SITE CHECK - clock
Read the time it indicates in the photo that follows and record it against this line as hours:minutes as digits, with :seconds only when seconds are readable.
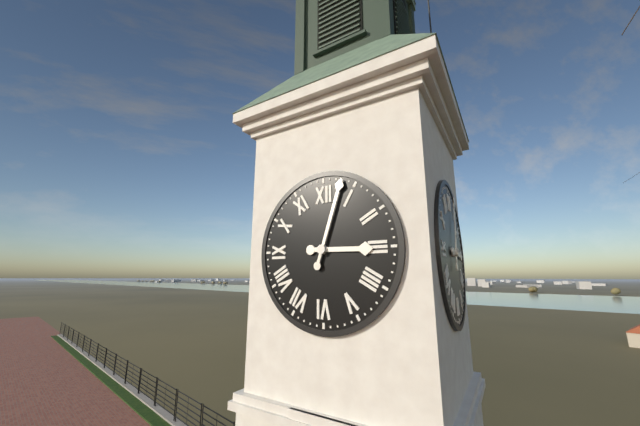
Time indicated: 3:03
